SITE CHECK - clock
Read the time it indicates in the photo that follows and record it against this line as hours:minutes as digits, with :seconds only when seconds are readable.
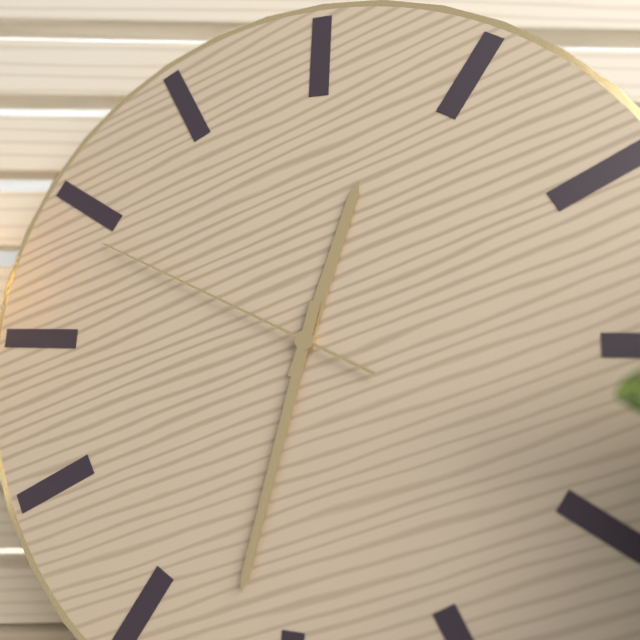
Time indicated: 12:32:49
